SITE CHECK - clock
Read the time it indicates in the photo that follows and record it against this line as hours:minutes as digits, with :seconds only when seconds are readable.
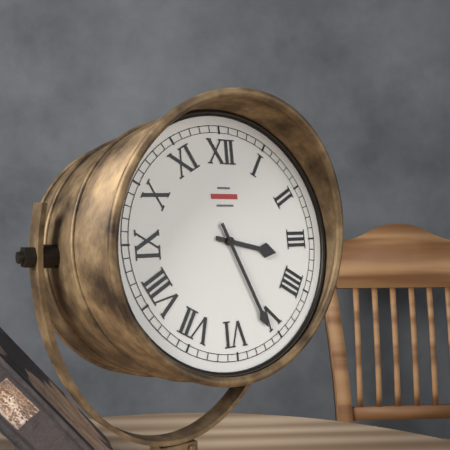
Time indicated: 3:26
